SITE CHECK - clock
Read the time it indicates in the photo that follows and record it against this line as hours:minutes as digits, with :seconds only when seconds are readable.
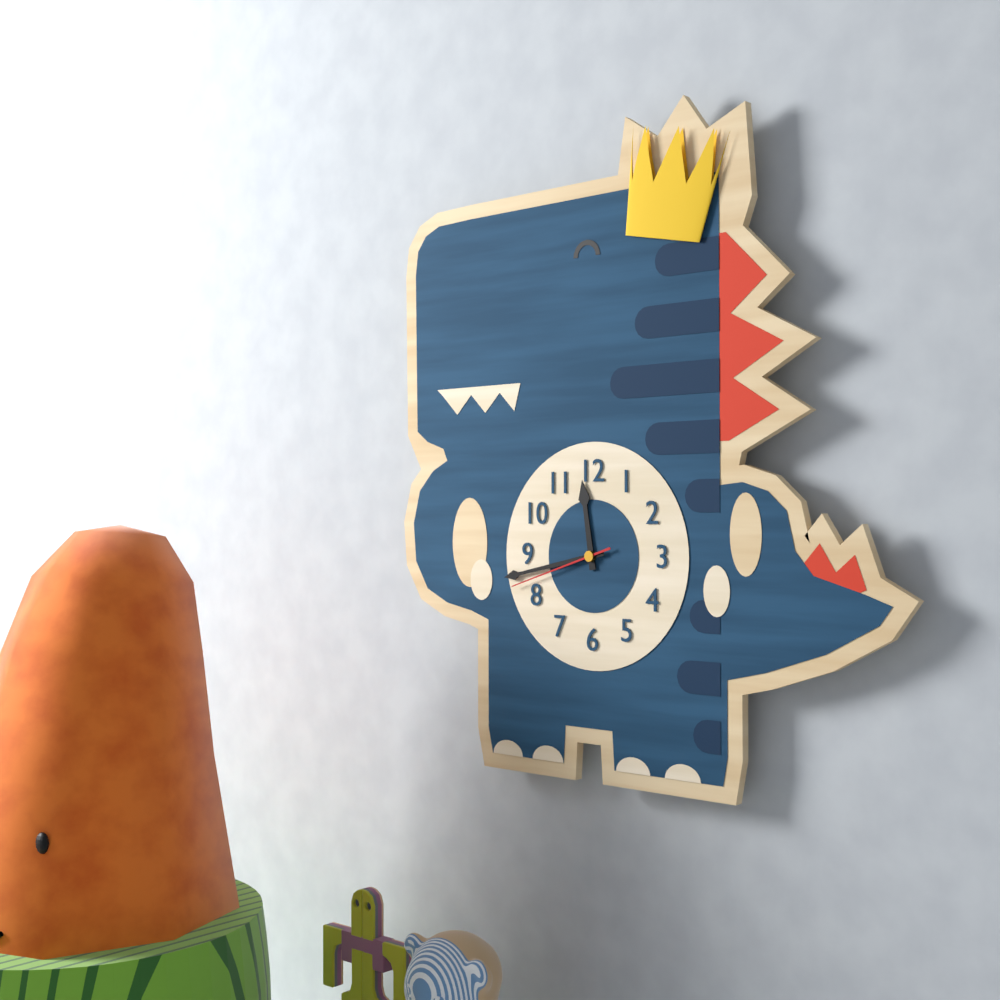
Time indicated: 11:43:42
